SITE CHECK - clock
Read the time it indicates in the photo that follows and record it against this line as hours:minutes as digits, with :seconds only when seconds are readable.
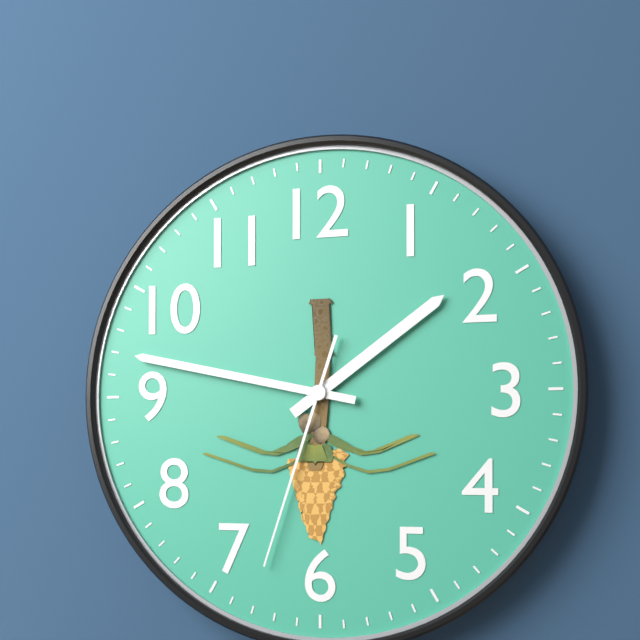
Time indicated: 1:47:33
